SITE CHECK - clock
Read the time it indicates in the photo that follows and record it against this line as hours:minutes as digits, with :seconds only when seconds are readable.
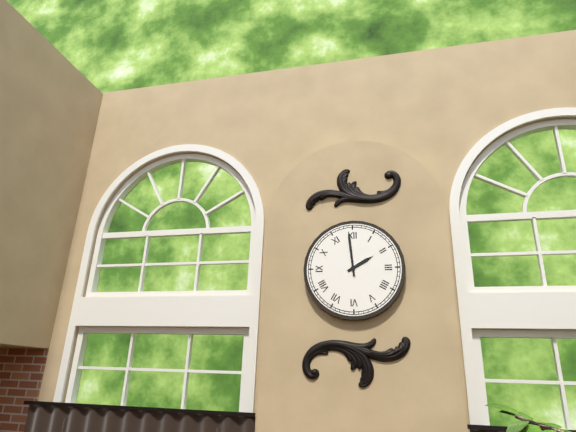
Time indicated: 1:59
